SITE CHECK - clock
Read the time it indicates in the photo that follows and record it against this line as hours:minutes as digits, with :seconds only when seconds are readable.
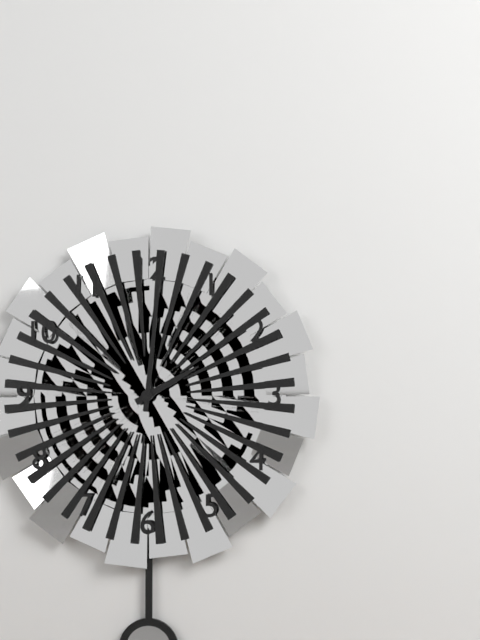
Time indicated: 2:01
